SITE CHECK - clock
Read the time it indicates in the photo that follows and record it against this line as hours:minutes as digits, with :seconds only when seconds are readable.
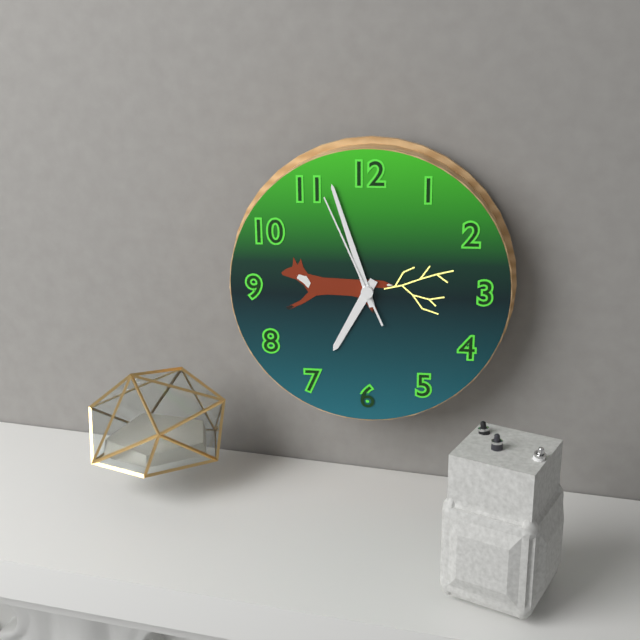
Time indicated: 6:57:56
